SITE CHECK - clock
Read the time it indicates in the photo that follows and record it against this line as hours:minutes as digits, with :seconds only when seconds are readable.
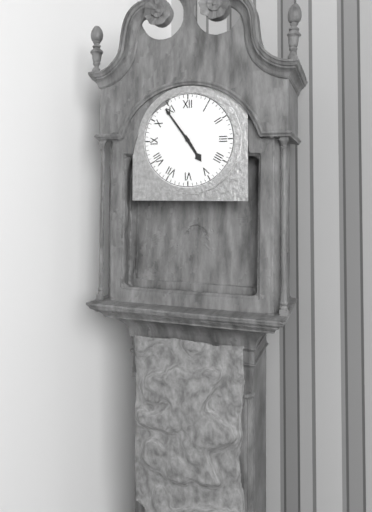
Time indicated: 4:54
